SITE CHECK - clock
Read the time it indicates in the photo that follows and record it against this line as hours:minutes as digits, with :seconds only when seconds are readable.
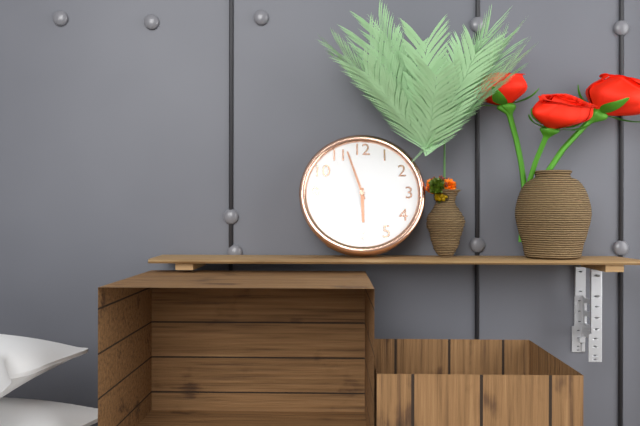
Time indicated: 5:57
